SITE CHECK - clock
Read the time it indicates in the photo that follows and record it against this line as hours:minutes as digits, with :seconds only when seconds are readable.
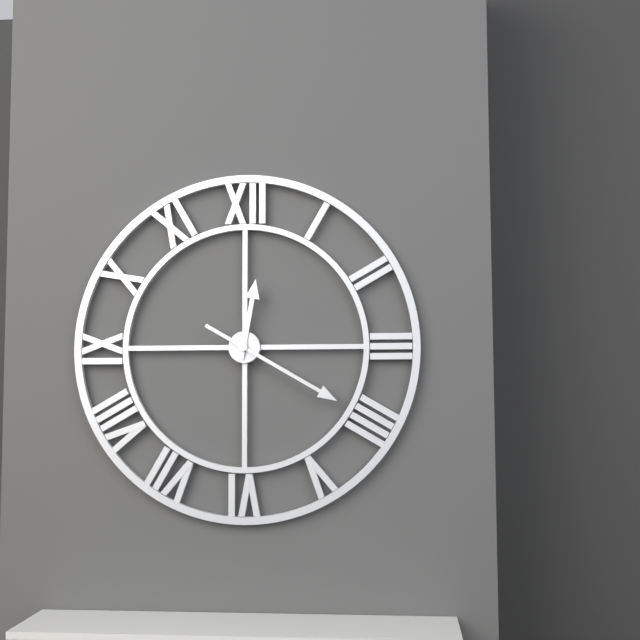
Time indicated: 12:20
